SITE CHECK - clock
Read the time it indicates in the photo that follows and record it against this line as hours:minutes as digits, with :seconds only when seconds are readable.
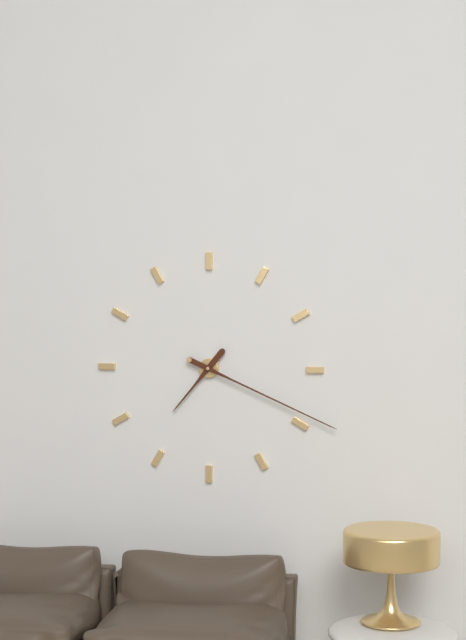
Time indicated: 7:19
